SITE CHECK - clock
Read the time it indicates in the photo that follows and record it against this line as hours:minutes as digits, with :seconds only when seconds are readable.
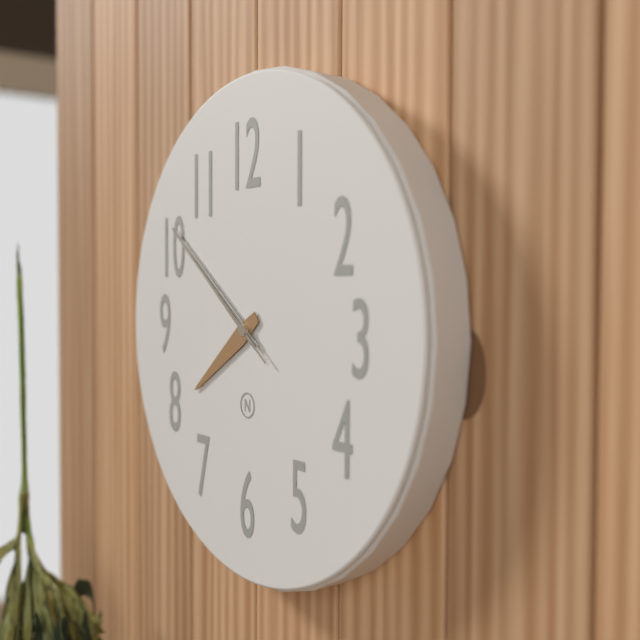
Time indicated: 7:51:51
